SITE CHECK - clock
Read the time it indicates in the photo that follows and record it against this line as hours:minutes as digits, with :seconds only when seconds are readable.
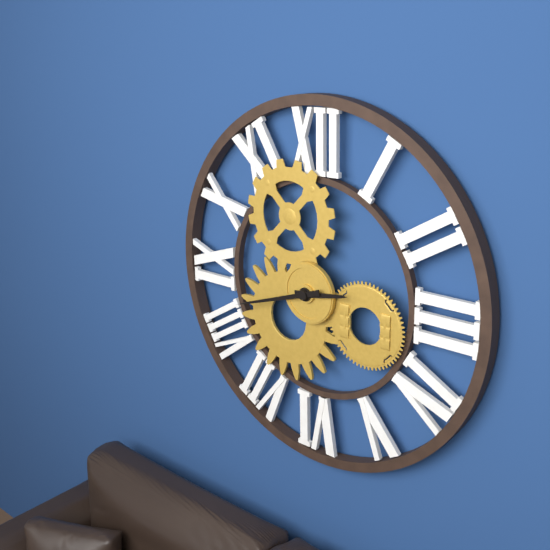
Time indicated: 2:42
